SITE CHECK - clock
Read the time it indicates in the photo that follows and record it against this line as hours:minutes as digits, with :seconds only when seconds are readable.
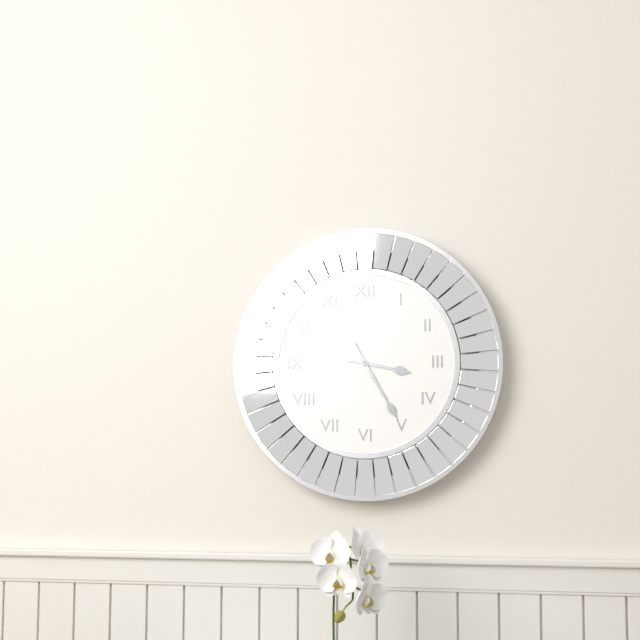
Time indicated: 3:25
